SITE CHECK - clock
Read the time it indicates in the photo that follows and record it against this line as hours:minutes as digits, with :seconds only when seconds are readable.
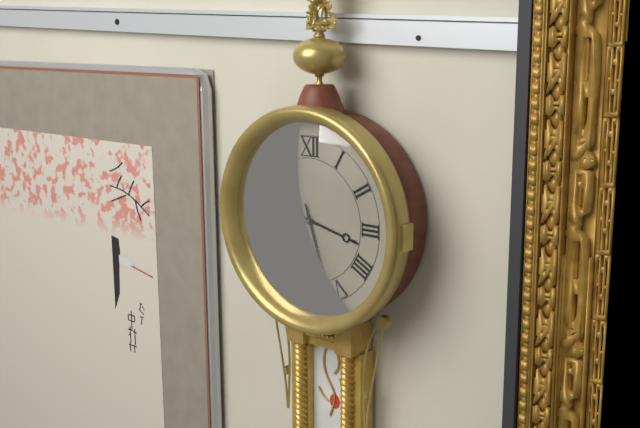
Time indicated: 3:27
